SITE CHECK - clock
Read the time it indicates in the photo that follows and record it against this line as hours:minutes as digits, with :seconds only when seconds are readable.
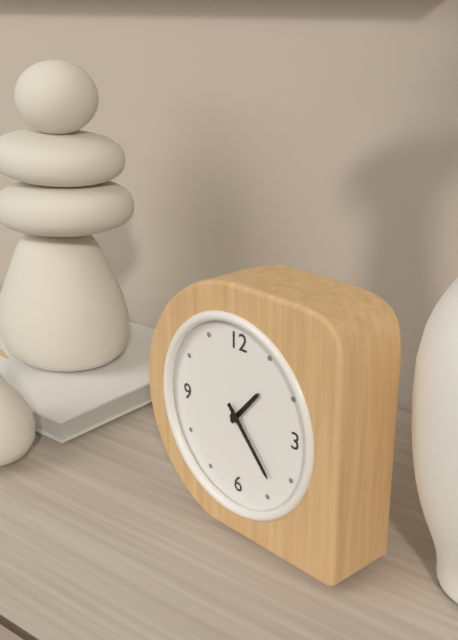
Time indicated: 1:23
